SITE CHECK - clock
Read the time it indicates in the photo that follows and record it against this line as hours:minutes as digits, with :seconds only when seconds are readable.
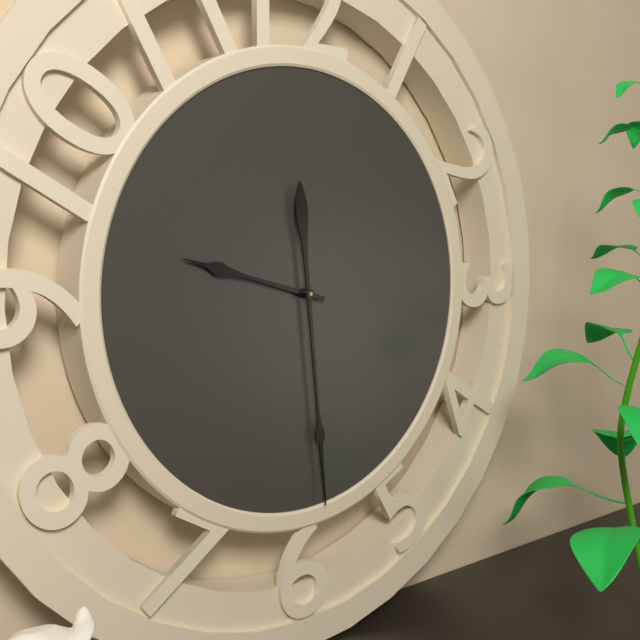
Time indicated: 9:29
